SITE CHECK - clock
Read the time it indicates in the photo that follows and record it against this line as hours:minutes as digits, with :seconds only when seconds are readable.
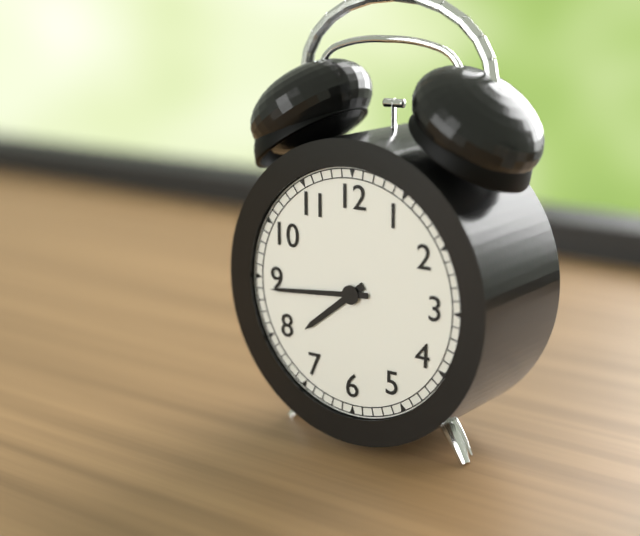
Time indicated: 7:44
